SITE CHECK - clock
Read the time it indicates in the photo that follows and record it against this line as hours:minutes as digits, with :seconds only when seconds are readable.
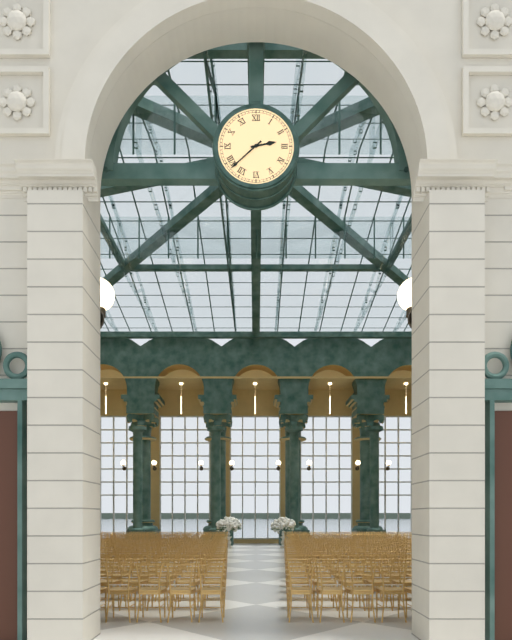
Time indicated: 2:38
